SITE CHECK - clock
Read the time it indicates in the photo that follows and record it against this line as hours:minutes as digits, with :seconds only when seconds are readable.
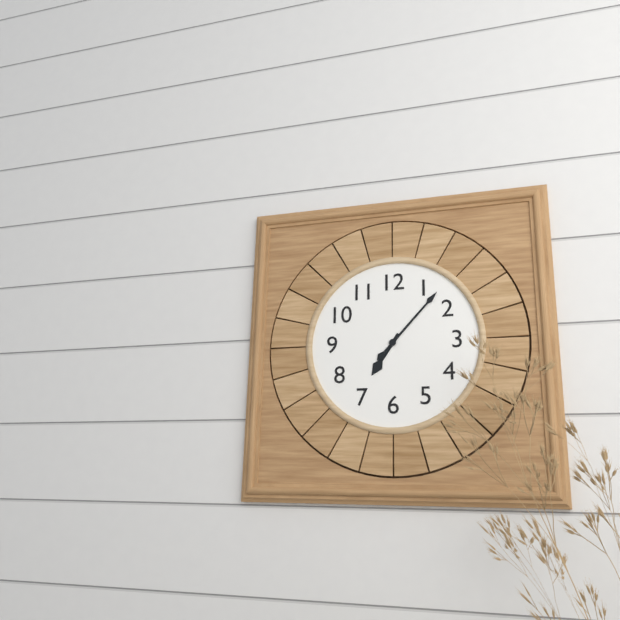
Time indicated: 7:07
